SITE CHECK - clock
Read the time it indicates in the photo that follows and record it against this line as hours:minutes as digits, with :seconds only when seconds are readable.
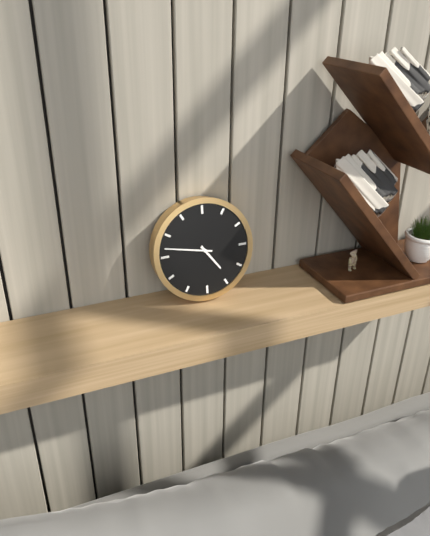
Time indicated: 4:47
